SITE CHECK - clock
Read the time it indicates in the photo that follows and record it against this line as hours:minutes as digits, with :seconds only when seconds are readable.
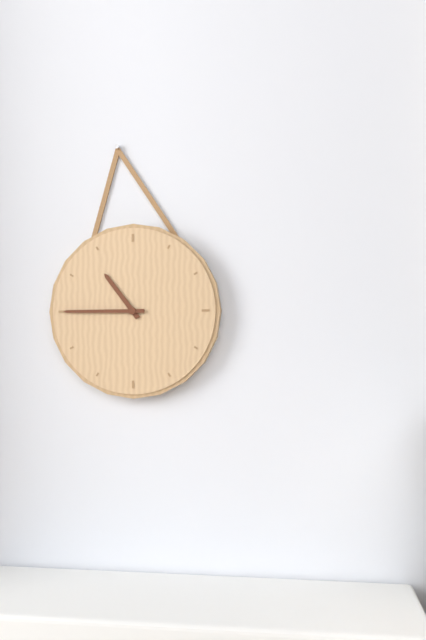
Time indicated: 10:45
